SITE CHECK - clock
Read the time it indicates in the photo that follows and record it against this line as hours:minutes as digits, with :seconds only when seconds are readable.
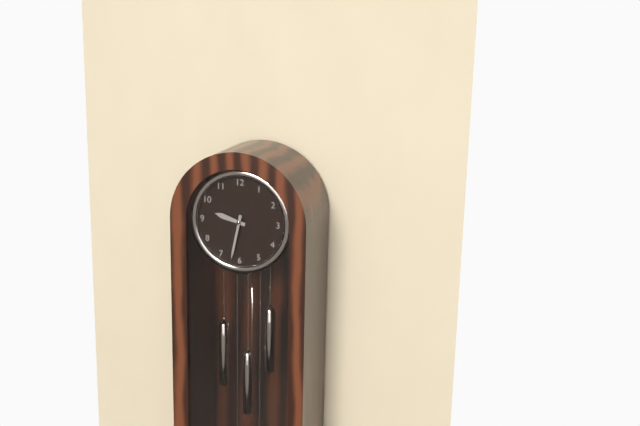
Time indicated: 9:32
